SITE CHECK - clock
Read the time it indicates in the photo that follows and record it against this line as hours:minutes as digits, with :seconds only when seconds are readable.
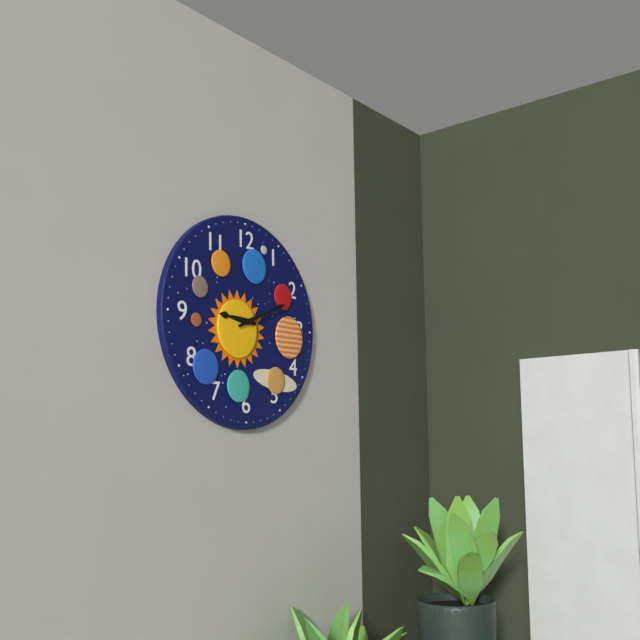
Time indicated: 9:11
